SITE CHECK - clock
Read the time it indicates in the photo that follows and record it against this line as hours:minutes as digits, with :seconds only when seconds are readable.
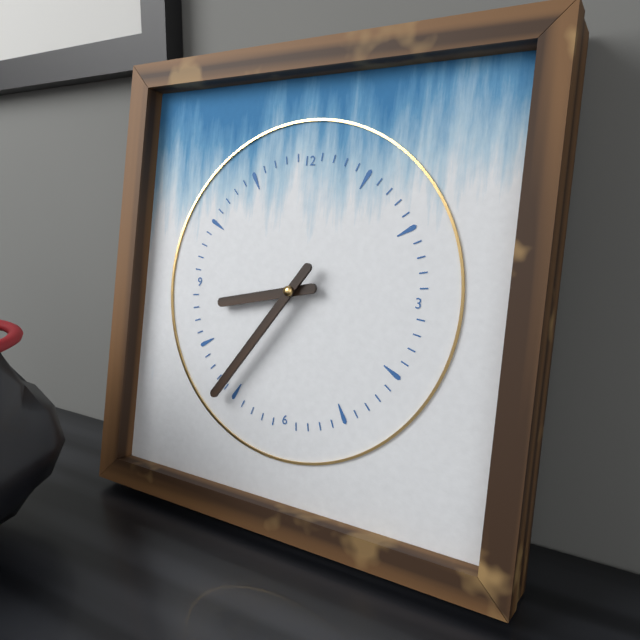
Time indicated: 8:36
